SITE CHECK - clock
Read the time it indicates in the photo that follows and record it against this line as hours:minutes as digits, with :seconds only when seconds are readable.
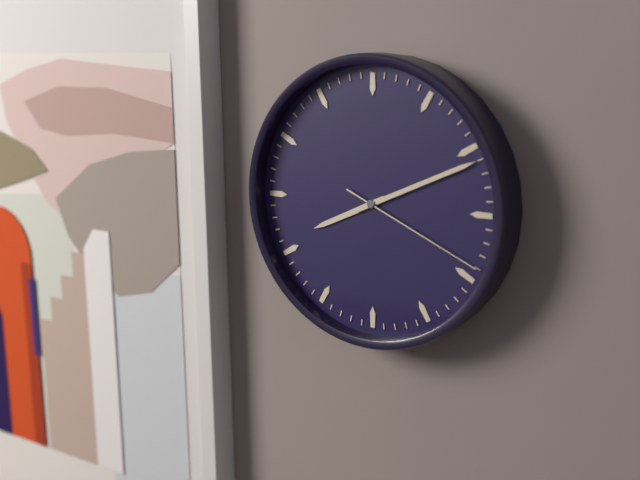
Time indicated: 8:11:19
